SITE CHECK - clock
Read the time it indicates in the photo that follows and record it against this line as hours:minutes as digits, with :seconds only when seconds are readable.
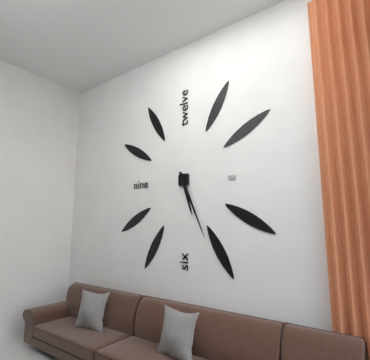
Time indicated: 5:26
